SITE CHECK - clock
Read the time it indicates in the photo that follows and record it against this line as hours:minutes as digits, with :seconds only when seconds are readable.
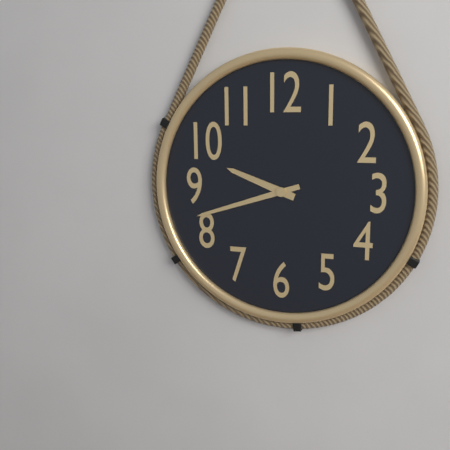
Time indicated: 9:42
